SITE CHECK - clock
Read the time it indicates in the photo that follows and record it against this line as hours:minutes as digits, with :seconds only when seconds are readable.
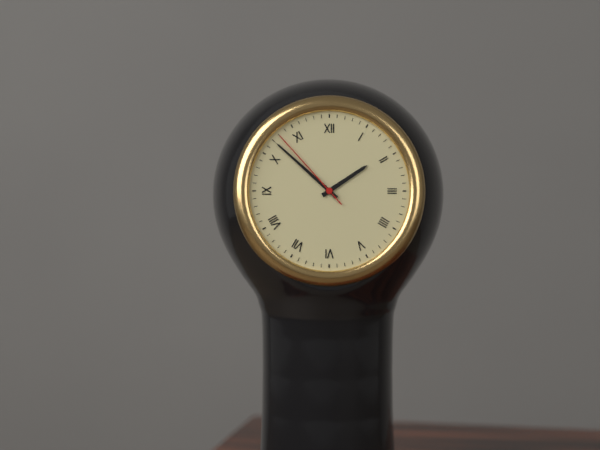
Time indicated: 1:52:53
